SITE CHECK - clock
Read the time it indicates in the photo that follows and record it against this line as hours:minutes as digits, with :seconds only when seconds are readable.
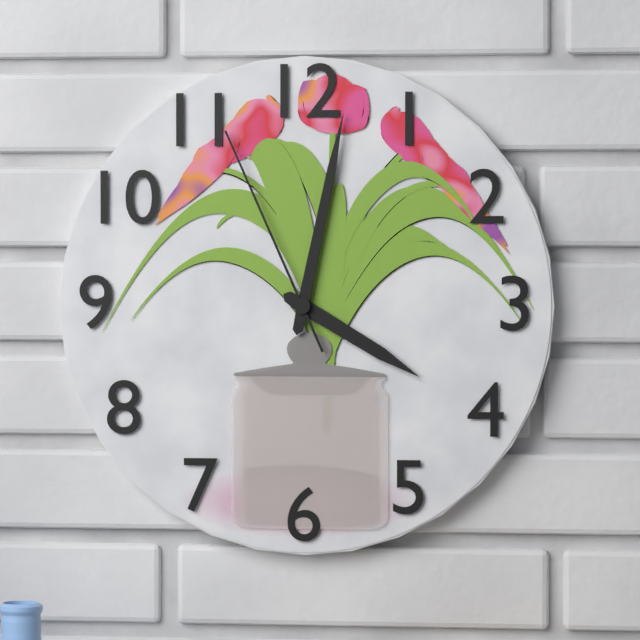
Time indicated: 4:02:56
